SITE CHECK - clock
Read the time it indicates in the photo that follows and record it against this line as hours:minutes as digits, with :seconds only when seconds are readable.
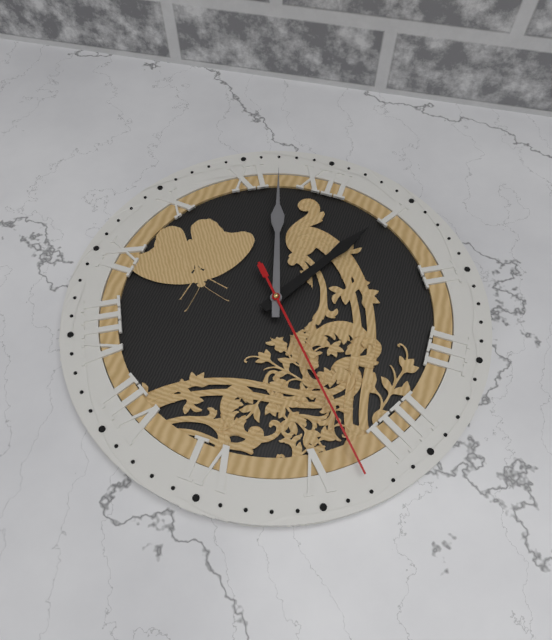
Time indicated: 12:57:23
